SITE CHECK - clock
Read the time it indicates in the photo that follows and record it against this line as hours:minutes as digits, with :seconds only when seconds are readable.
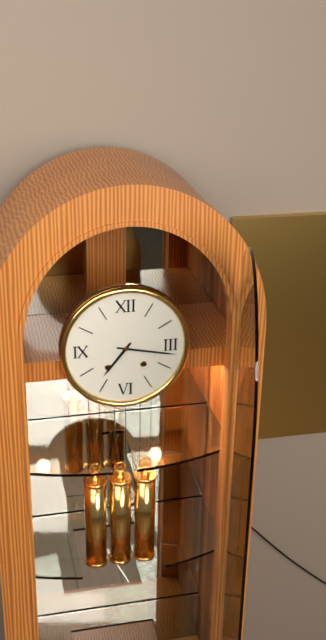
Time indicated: 7:17
